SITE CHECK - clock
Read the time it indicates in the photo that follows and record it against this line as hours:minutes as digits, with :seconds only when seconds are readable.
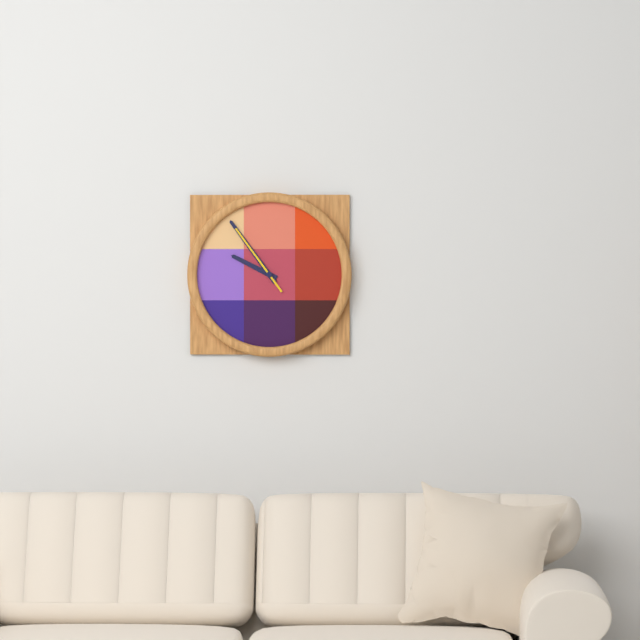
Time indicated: 9:54:54
